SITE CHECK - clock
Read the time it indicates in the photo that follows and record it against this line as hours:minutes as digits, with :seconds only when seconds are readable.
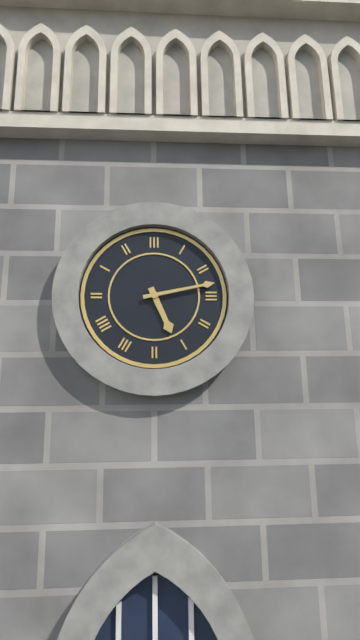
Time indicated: 5:13
